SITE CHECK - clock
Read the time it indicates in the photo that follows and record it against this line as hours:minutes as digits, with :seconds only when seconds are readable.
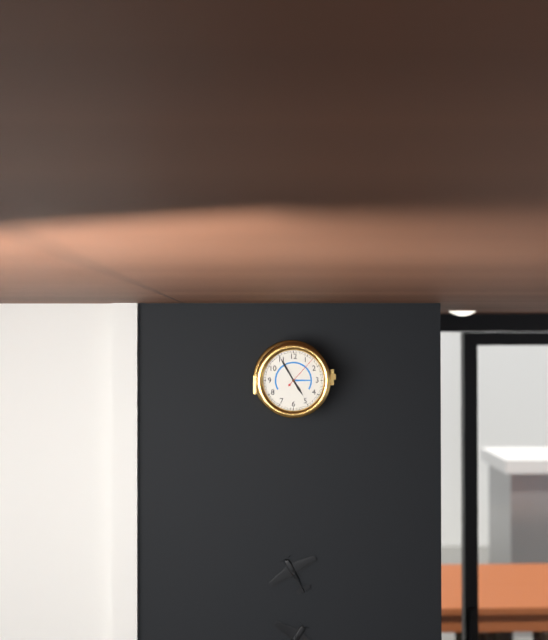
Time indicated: 4:55
